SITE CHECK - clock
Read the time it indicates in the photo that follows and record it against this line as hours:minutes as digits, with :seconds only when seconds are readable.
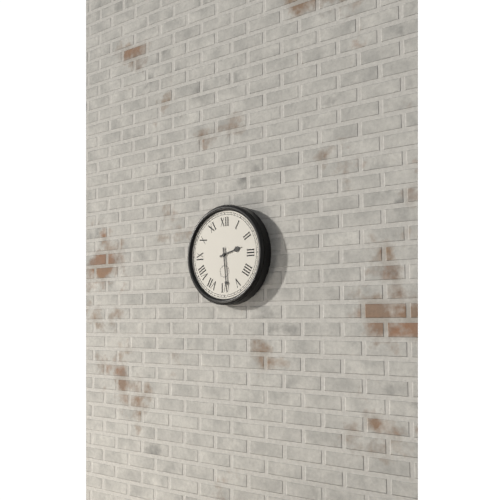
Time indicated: 2:29
